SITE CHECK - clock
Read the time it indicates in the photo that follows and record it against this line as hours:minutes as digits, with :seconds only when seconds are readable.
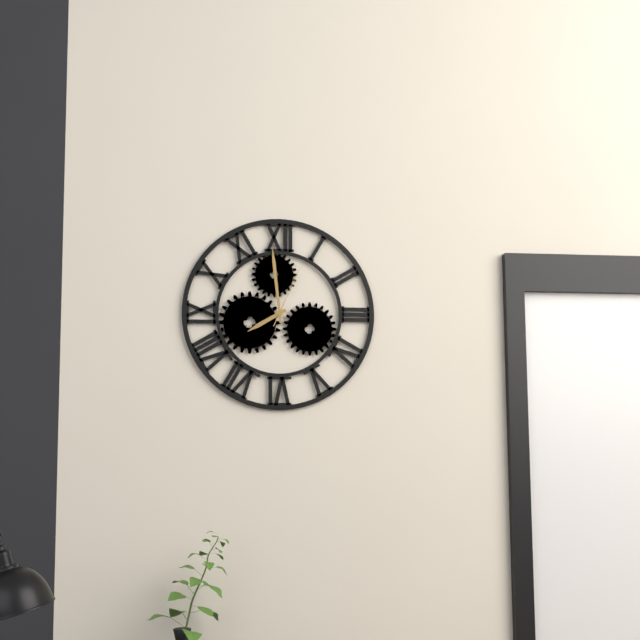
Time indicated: 7:59:04
